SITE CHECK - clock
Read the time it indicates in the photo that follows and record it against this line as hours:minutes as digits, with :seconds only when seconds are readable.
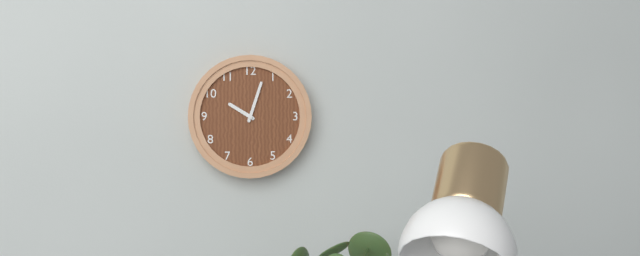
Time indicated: 10:03
